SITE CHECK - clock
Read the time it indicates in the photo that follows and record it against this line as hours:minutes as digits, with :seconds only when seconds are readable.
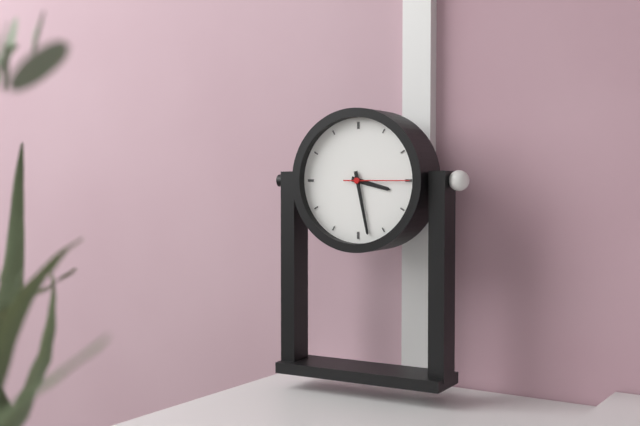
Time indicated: 3:28:15
